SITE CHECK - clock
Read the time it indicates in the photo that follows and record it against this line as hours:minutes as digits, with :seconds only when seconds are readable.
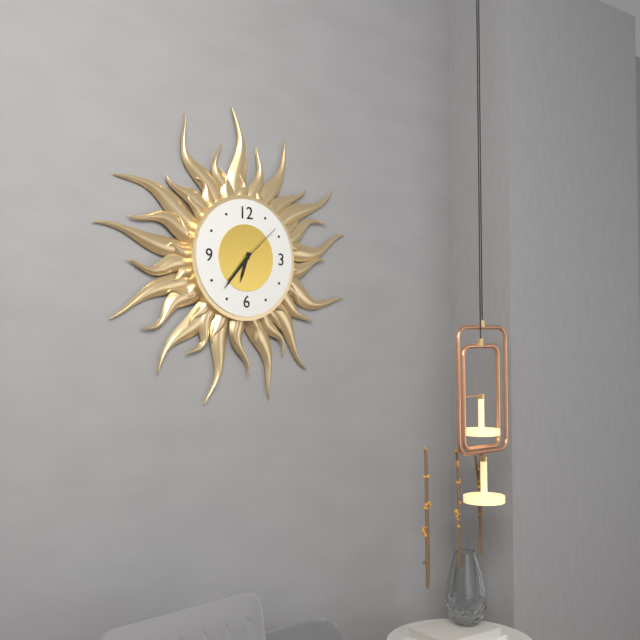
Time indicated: 6:37:08
